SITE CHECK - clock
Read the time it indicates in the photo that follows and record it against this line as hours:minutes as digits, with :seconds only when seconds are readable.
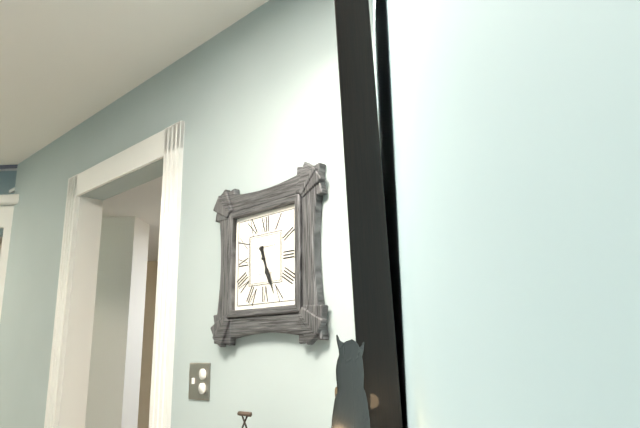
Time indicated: 5:26
